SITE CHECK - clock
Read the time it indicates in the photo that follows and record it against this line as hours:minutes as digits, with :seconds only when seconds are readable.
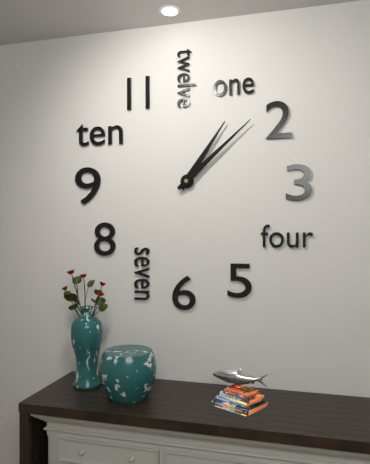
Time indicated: 1:08
